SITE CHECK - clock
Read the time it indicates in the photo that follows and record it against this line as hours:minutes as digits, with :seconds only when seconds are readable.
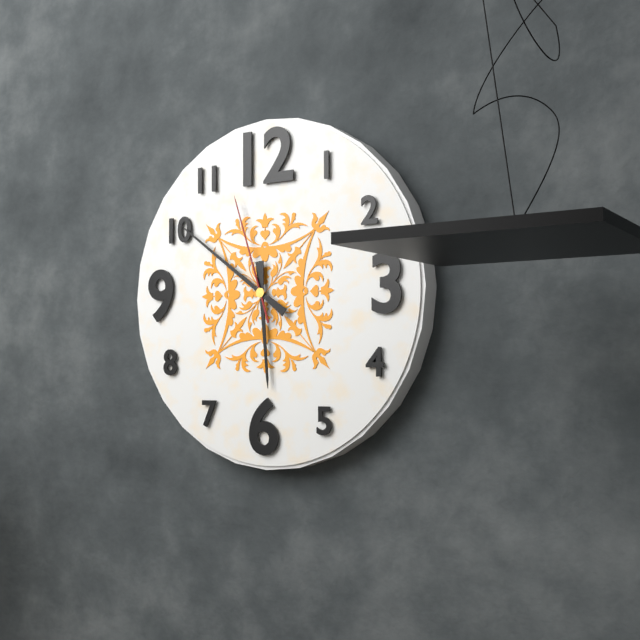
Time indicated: 5:51:57
